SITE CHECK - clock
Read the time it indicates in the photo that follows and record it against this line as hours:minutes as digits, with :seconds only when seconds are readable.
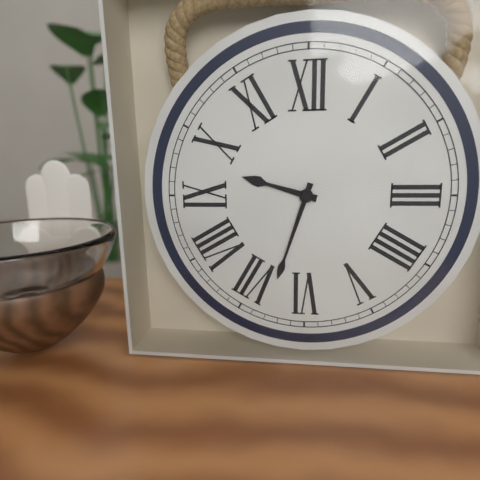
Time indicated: 9:33
